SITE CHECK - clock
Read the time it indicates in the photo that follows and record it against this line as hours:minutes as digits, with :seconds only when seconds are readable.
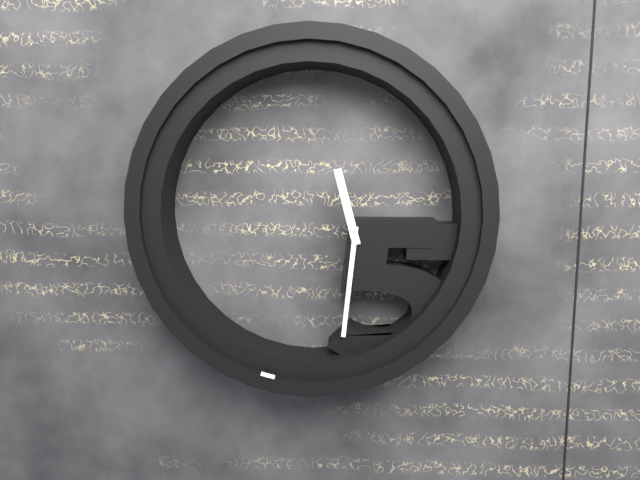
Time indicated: 11:31
